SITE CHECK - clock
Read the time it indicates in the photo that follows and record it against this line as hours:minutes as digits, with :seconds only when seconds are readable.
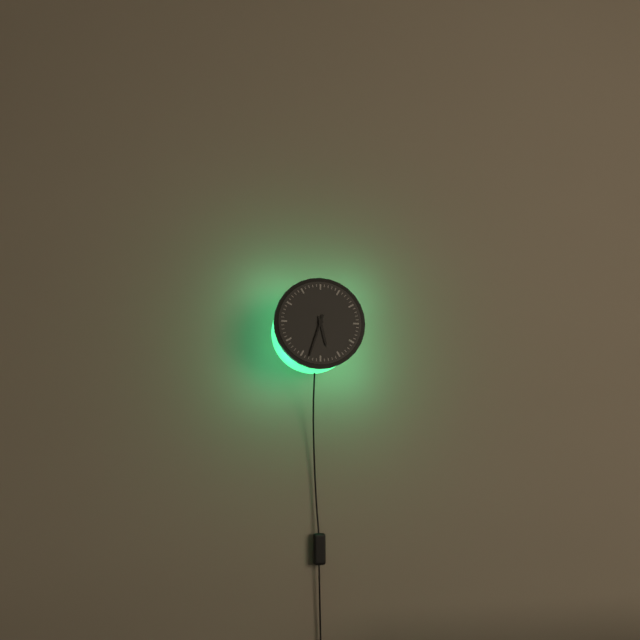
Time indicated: 5:33
